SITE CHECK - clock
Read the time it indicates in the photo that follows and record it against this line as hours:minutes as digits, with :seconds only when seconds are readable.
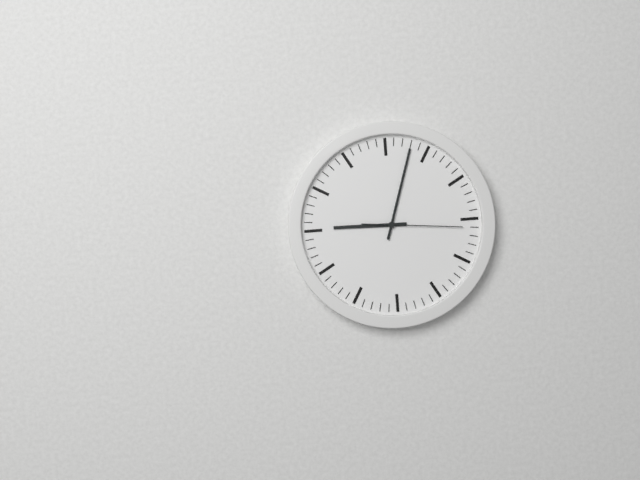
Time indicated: 9:03:16
